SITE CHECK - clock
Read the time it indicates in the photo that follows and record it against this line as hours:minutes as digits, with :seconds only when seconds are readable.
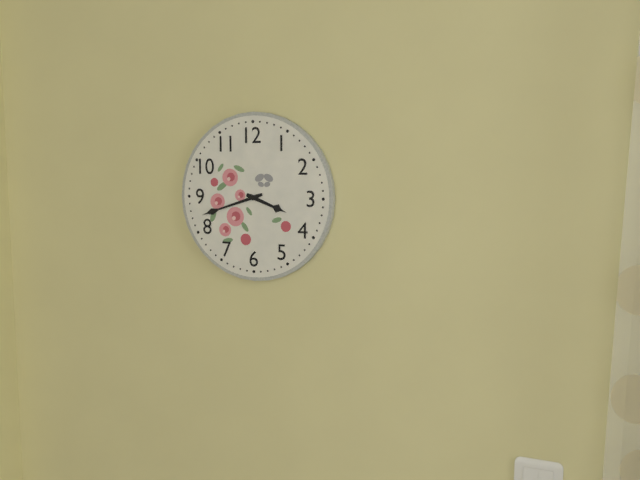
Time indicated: 3:42
